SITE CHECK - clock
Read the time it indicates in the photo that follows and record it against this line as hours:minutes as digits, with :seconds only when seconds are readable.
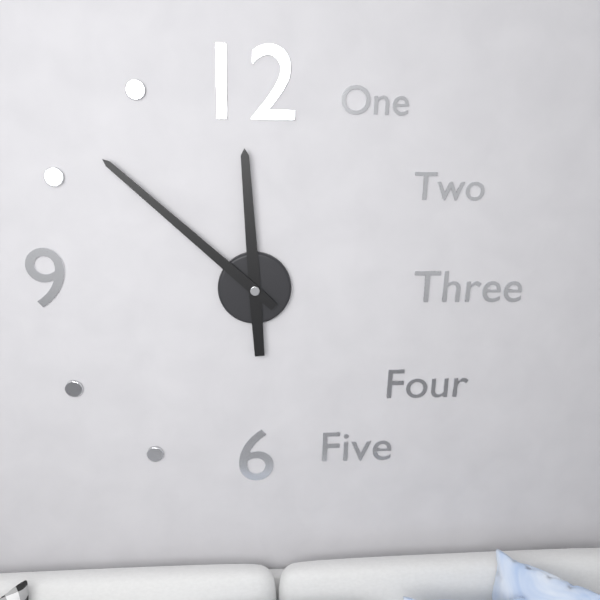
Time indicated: 11:52
